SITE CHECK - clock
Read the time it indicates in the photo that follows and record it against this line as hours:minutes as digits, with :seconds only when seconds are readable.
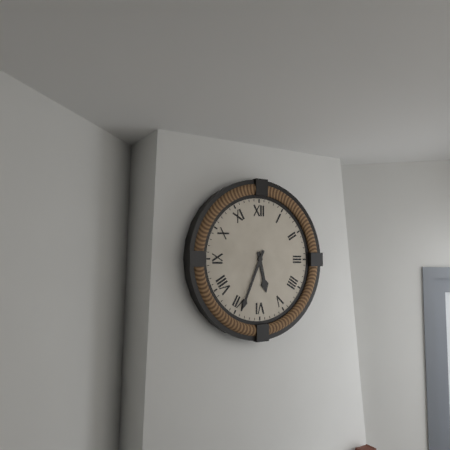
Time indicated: 5:34
